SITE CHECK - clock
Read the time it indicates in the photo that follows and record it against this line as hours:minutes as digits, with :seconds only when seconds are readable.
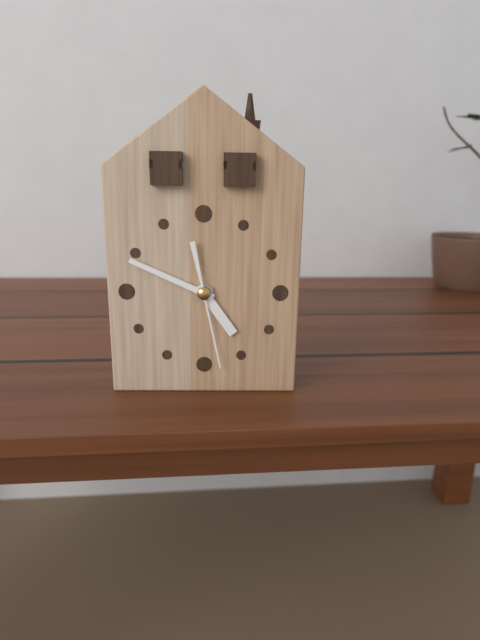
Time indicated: 4:49:28
